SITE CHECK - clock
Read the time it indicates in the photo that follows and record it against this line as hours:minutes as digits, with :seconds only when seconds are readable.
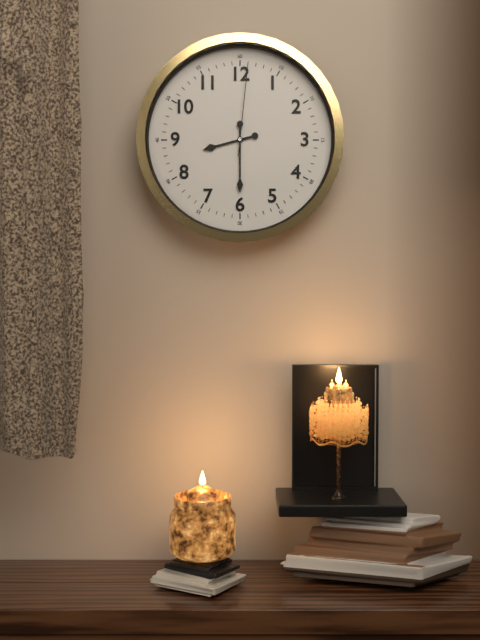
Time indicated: 8:30:01
